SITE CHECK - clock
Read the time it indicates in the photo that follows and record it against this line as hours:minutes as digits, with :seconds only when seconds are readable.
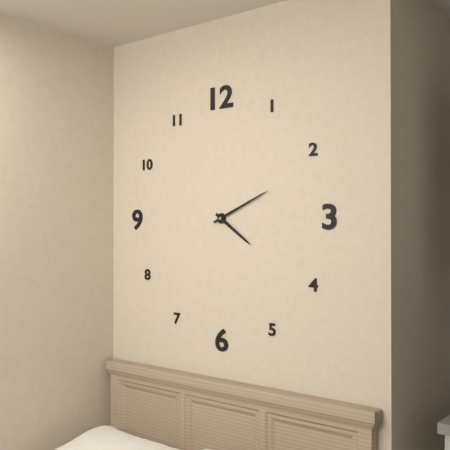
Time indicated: 4:11
